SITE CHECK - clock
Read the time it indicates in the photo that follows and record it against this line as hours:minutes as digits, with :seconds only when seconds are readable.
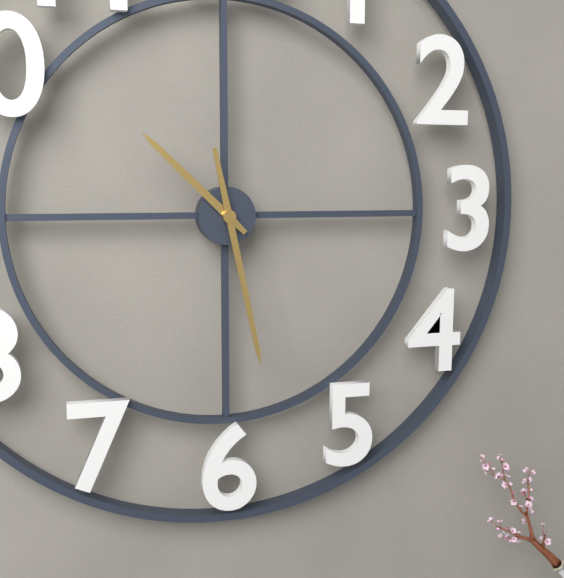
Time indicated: 10:28
